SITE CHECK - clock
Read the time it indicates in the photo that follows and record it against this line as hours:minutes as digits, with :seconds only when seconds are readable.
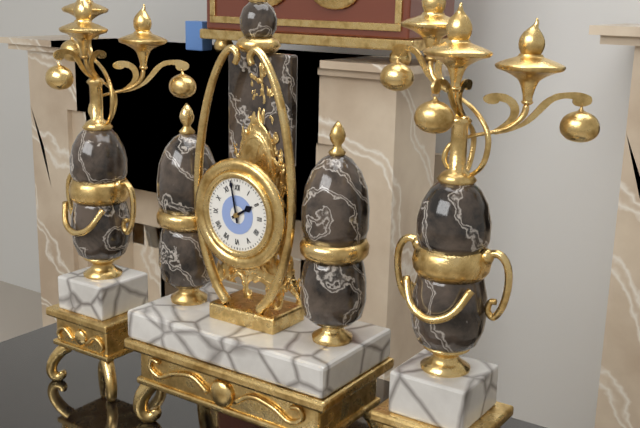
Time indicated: 1:58
